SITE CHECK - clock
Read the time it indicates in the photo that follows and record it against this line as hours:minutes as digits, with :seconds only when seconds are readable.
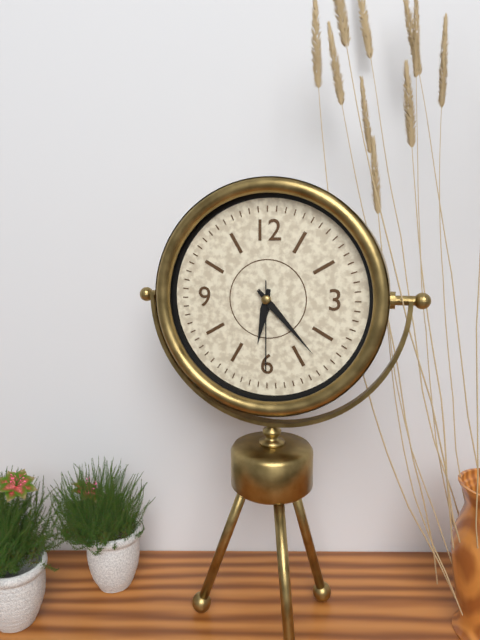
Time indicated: 6:23:30
